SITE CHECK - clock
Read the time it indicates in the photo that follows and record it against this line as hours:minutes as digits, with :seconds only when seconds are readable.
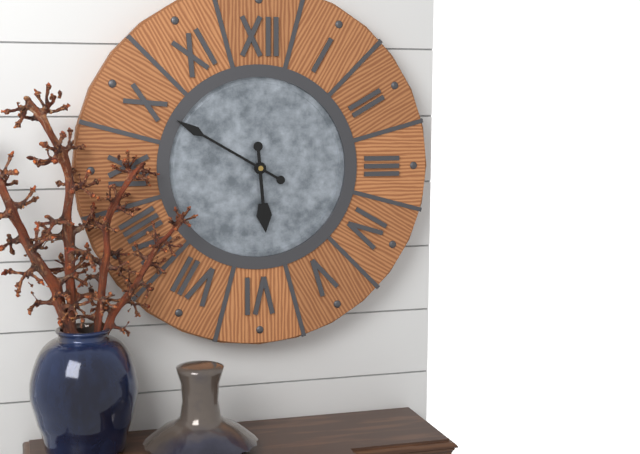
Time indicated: 5:50
